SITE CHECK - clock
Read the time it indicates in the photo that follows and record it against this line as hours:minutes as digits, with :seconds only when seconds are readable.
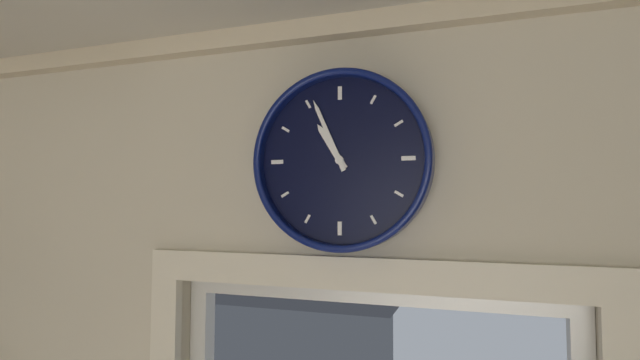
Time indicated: 10:56
